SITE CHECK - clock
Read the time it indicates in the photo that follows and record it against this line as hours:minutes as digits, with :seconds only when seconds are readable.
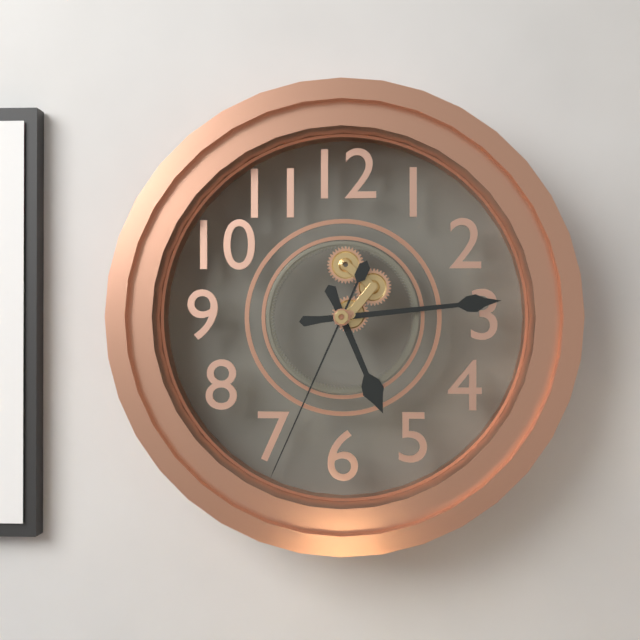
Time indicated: 5:14:34
